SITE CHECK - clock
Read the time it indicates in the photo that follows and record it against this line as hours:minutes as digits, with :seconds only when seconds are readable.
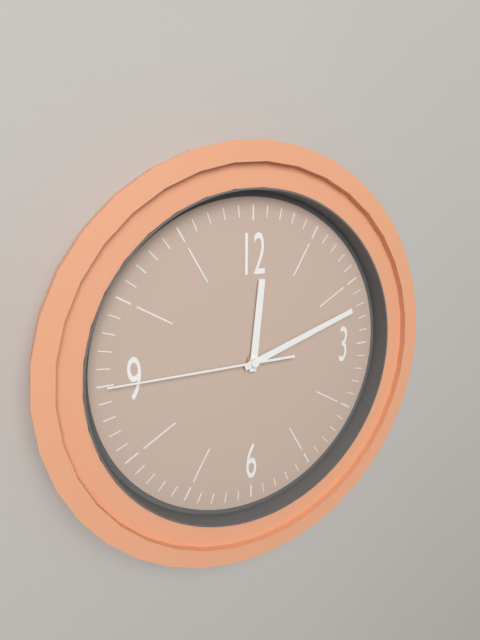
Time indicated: 12:12:45
